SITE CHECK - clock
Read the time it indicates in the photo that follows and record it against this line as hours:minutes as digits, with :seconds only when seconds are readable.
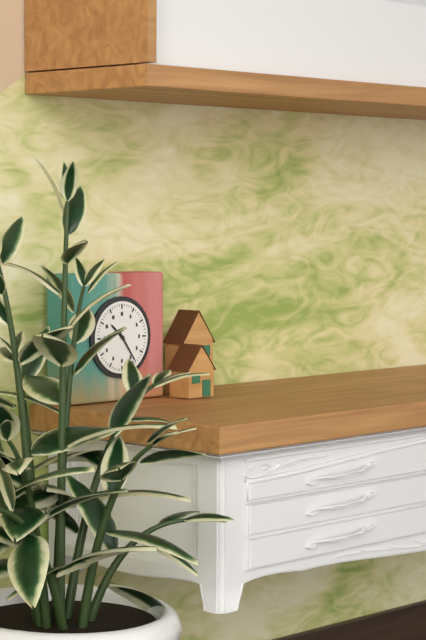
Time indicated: 10:24
